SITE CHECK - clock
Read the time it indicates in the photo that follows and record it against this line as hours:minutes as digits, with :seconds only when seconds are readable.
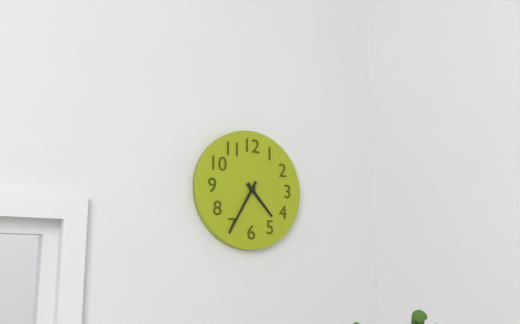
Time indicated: 4:35
